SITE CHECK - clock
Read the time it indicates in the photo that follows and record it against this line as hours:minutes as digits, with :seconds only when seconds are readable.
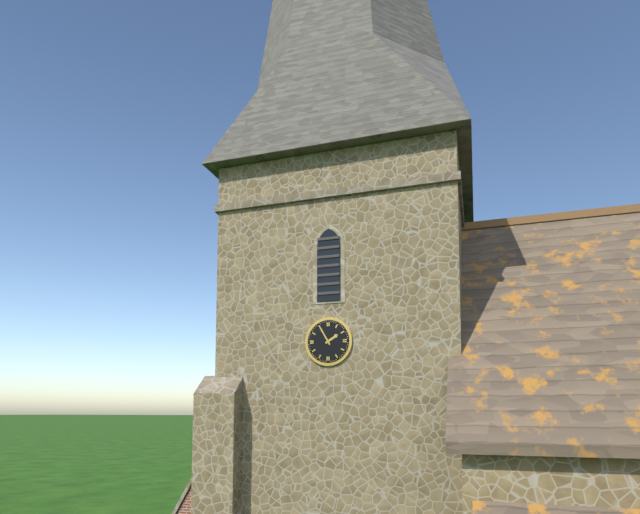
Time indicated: 1:55
